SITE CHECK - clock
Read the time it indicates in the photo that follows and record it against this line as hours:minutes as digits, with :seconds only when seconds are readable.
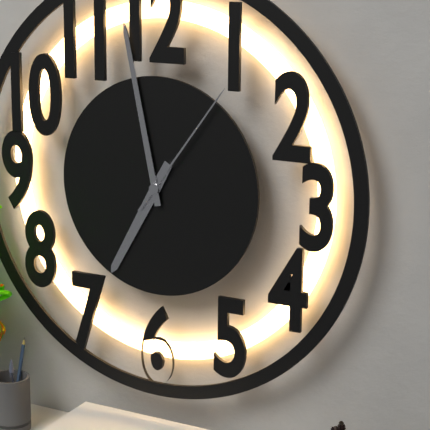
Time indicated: 6:58:06
